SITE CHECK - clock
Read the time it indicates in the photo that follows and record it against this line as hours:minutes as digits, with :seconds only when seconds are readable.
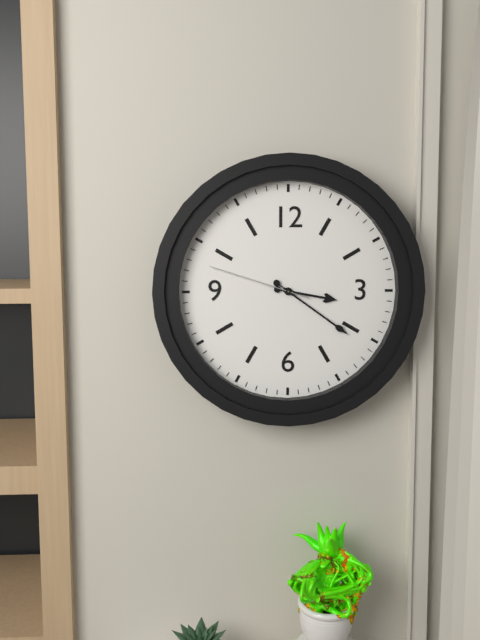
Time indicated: 3:21:48
